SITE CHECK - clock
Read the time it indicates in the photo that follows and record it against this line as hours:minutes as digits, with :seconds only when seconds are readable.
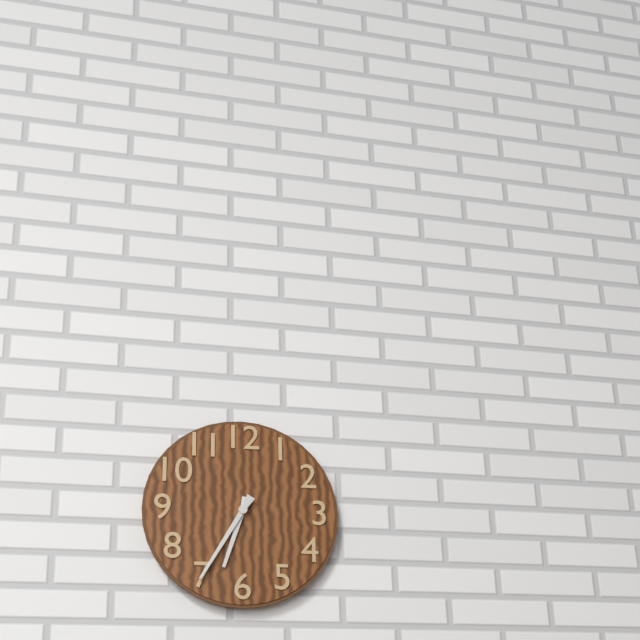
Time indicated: 6:35
